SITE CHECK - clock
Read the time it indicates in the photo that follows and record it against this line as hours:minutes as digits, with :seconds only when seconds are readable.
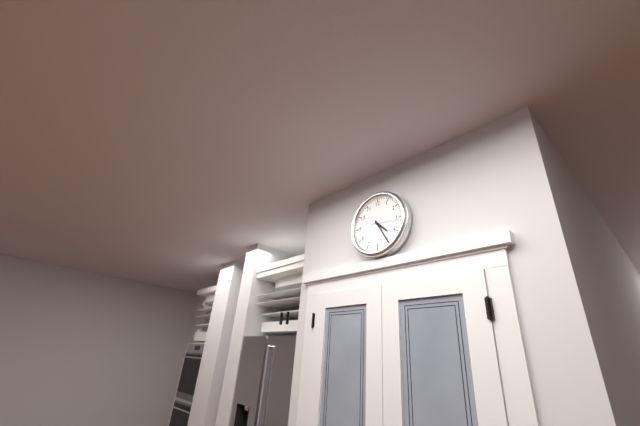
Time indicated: 4:25
